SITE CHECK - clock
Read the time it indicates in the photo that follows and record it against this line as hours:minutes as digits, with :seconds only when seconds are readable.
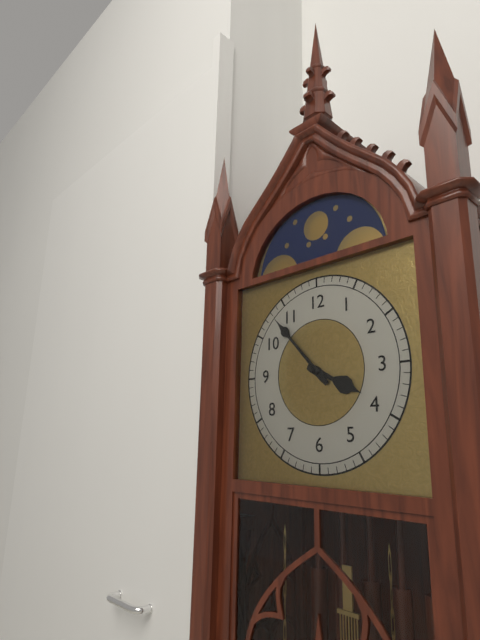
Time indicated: 3:53
